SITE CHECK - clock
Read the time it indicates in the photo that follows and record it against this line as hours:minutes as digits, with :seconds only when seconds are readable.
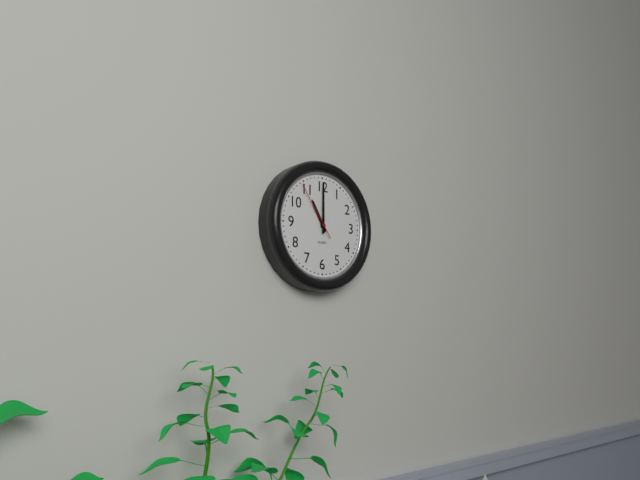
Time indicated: 11:00:54
